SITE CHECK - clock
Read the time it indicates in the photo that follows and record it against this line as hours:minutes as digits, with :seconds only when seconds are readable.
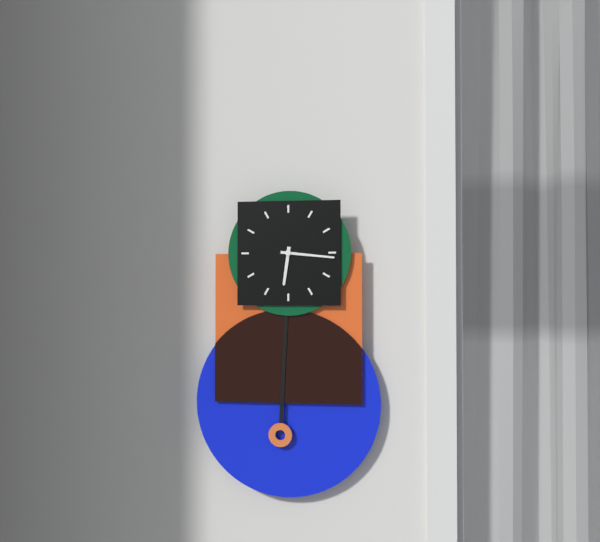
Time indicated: 6:16
